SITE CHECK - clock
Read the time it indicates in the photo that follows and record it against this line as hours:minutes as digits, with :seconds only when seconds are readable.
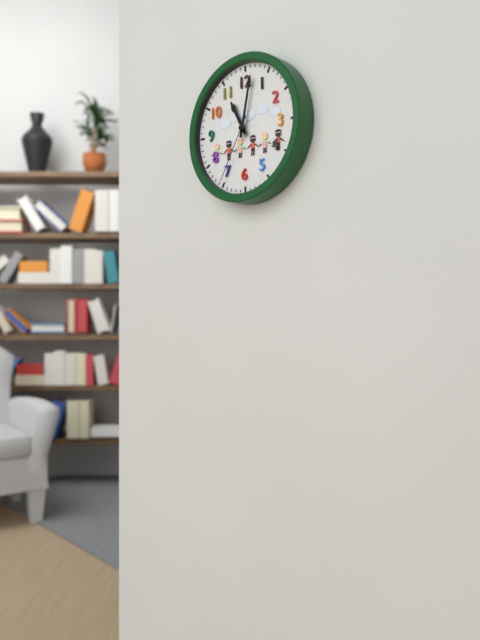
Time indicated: 11:02:35
